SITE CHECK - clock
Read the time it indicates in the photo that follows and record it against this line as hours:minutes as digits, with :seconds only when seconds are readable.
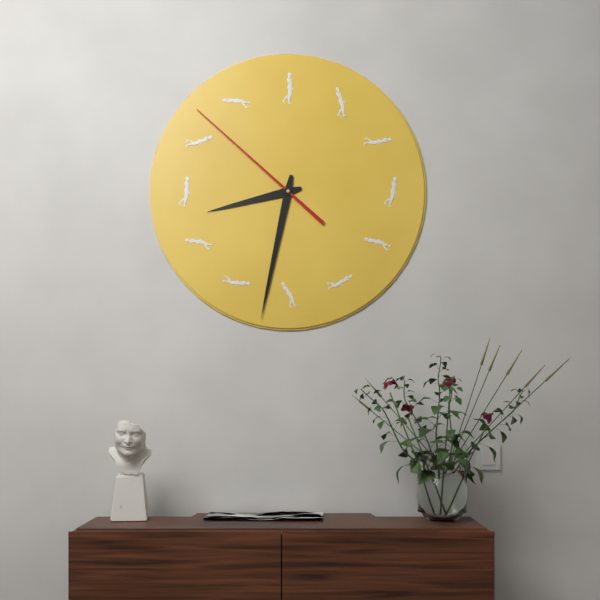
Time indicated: 8:32:52
